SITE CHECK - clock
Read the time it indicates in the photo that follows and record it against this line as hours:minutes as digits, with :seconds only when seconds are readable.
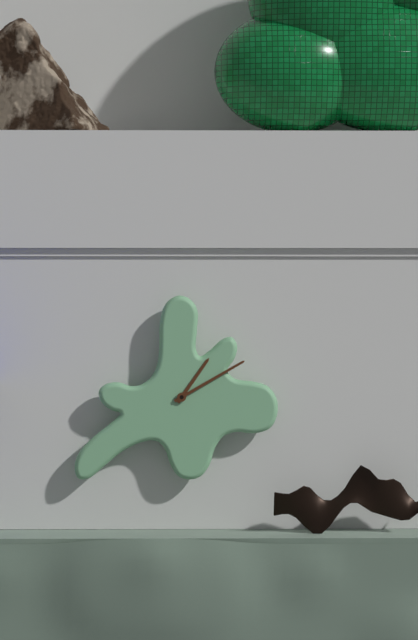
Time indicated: 1:10
